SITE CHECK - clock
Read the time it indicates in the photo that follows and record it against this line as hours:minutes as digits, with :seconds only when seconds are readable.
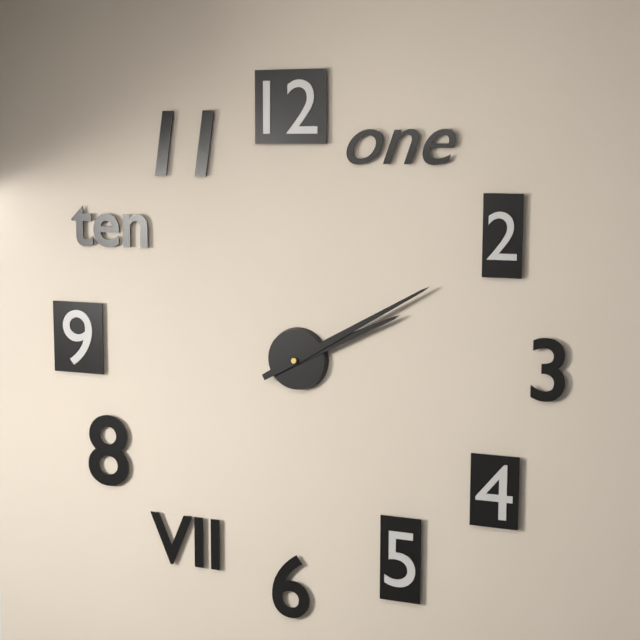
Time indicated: 2:10
